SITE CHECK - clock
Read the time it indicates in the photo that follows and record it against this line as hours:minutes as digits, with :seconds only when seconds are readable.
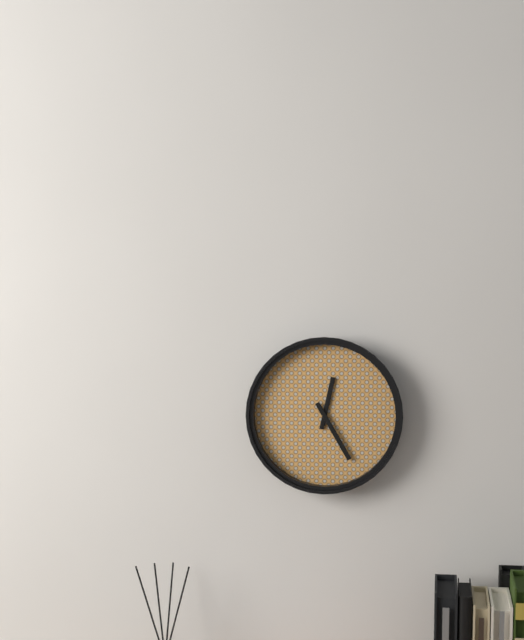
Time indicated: 12:25
